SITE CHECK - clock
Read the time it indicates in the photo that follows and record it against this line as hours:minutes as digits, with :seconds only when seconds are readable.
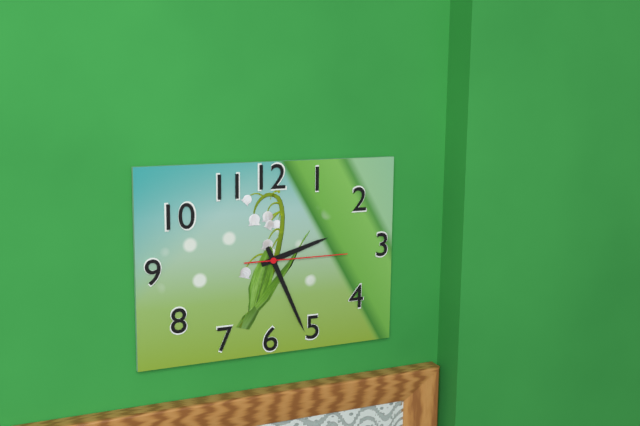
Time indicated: 2:26:15
